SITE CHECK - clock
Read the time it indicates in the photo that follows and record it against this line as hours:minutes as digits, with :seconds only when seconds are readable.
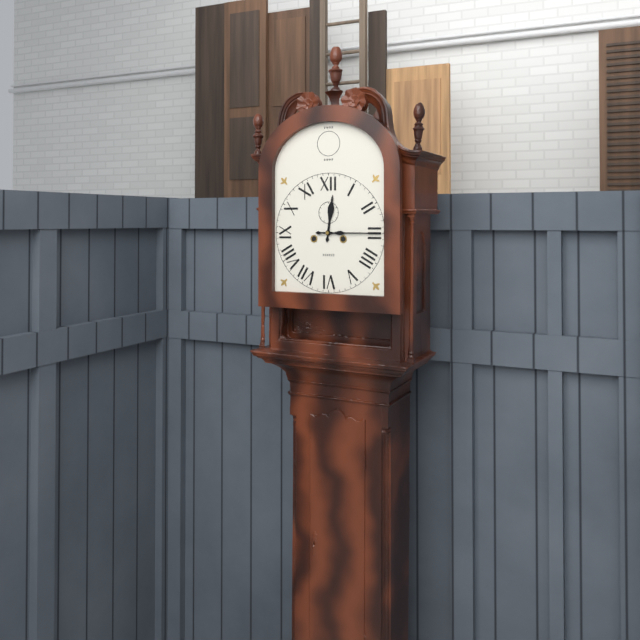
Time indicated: 12:15
